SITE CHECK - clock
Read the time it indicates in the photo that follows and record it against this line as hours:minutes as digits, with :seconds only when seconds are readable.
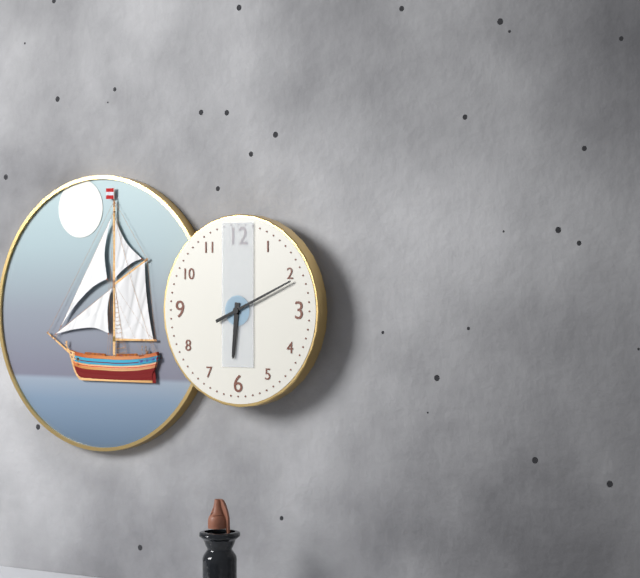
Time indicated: 6:11
